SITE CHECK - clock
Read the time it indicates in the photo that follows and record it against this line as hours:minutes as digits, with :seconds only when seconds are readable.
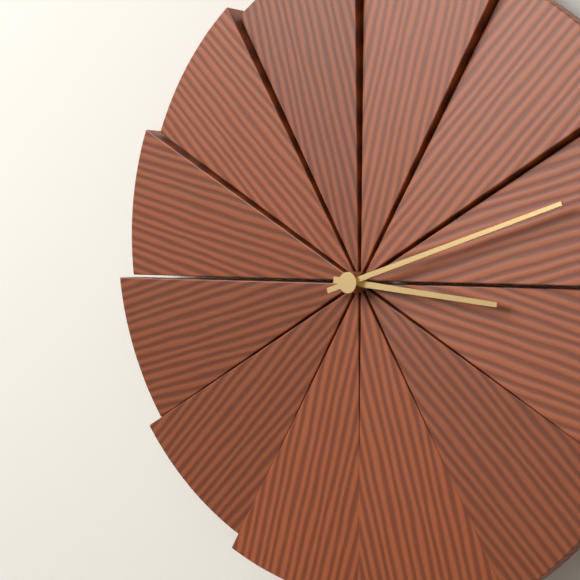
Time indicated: 3:12
